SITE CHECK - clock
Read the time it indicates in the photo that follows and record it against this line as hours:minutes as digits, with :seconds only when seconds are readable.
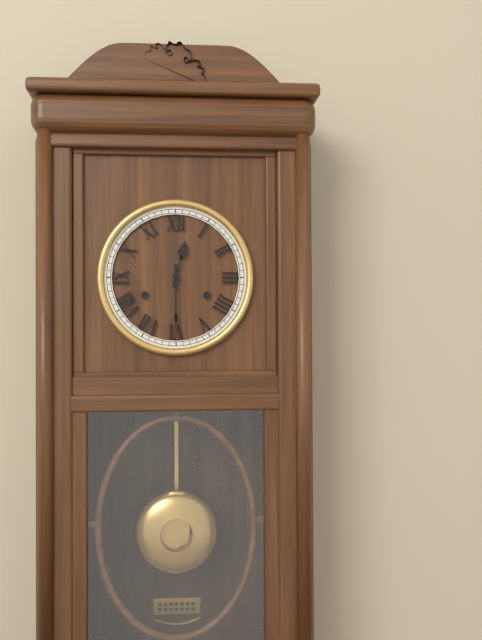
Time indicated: 12:30
